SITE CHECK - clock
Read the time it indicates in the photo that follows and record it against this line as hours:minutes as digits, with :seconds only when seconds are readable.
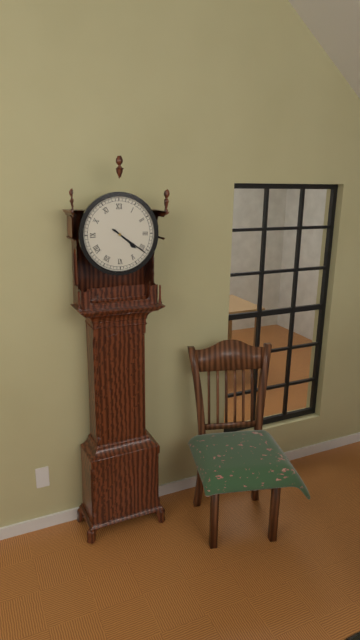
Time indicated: 4:21
